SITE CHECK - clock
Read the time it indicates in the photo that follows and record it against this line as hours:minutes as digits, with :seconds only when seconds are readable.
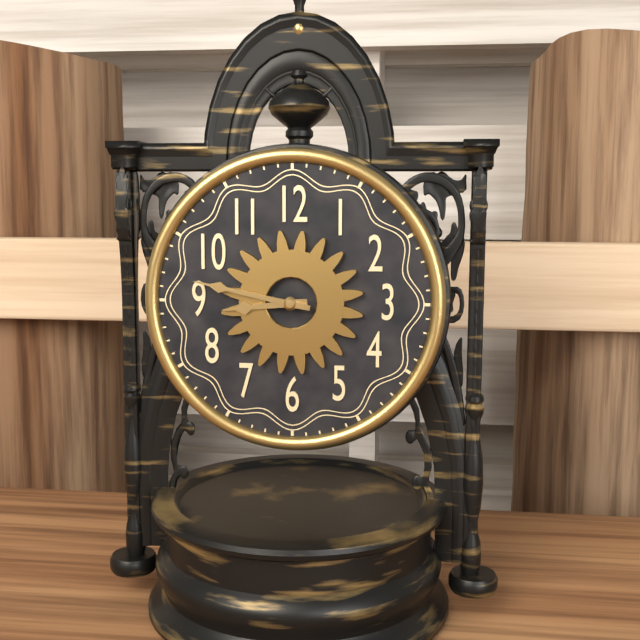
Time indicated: 8:47
